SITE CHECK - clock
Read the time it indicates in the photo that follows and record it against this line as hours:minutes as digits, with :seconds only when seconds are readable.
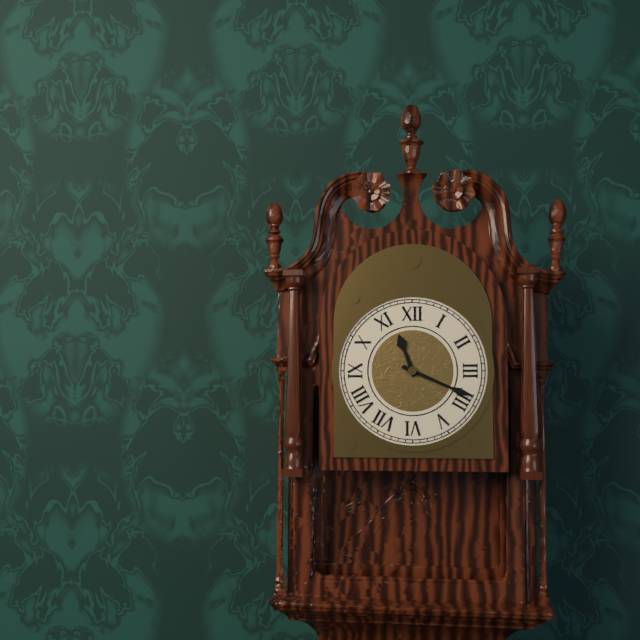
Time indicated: 11:19
